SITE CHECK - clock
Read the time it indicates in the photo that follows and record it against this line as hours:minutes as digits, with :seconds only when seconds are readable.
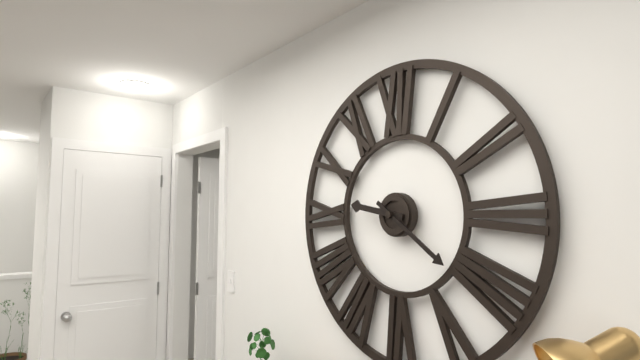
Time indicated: 9:21
